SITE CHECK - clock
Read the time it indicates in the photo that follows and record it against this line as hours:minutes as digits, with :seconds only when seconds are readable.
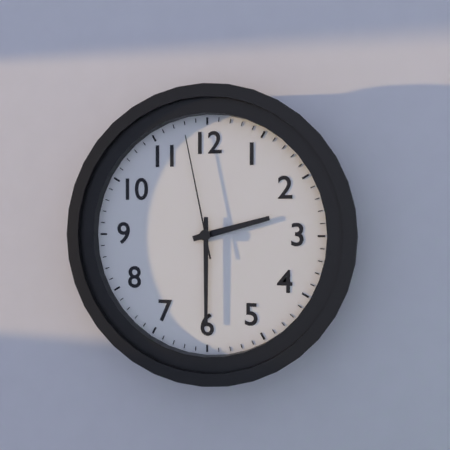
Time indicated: 2:30:58
